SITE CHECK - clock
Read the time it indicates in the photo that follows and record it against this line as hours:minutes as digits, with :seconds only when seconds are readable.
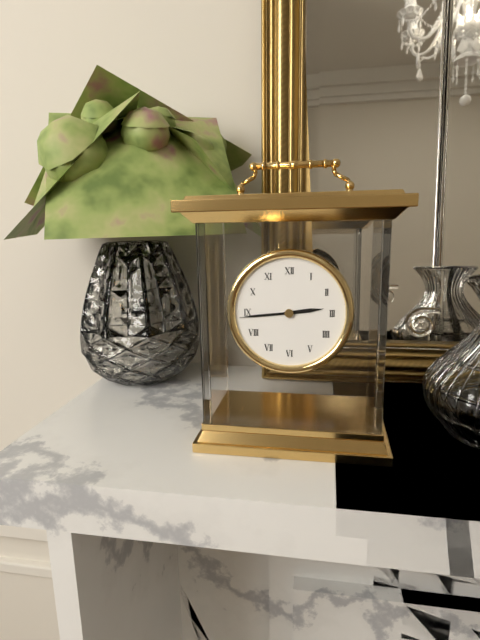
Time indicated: 2:44:44
